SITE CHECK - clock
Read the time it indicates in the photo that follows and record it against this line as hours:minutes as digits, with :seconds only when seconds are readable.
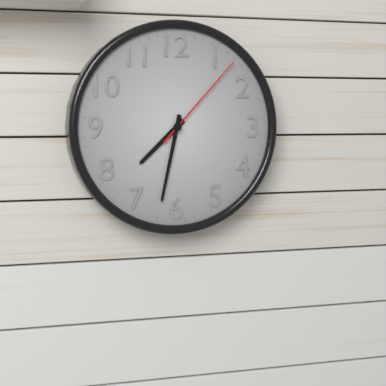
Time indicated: 7:32:07
